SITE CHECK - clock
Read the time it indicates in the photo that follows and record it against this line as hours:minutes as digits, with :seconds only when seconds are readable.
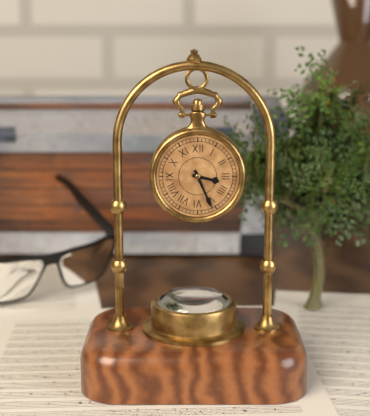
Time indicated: 3:26
